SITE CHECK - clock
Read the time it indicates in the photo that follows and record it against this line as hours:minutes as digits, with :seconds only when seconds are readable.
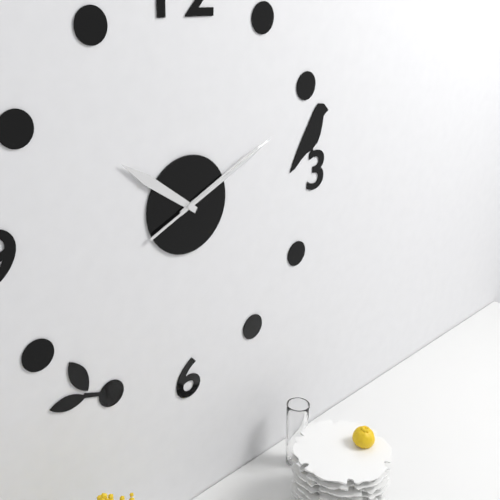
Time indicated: 10:11:11
